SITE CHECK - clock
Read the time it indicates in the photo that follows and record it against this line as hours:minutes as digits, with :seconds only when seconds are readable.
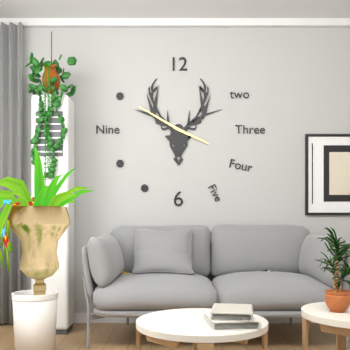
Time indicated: 3:50
